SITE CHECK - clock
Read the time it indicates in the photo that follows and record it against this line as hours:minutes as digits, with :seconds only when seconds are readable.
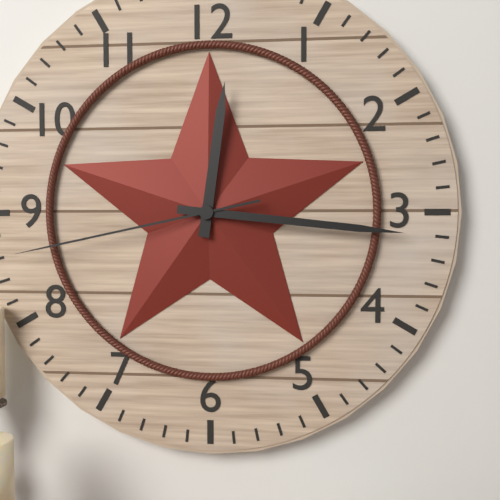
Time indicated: 12:16:43
